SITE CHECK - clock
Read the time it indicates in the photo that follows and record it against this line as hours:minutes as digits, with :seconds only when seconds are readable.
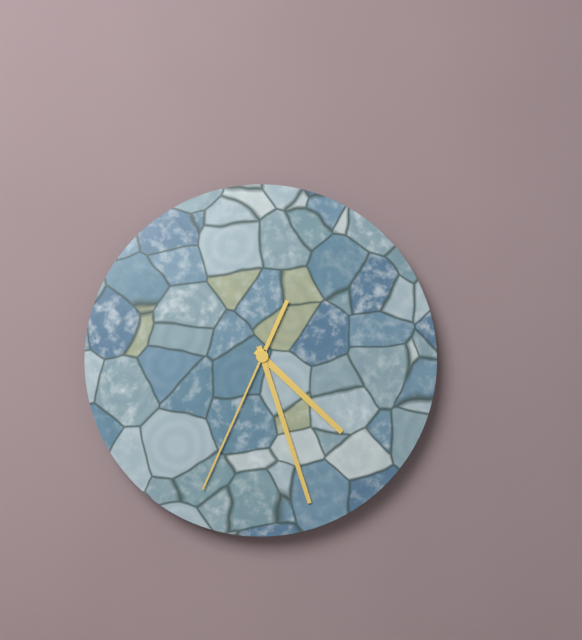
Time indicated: 4:27:34
